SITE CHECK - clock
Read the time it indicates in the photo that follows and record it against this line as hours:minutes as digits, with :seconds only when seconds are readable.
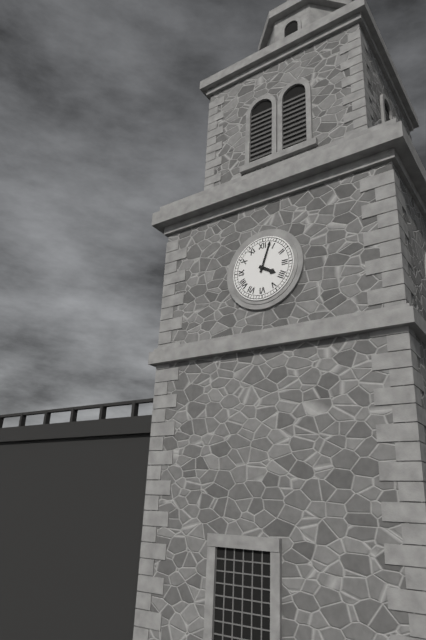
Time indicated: 4:03
